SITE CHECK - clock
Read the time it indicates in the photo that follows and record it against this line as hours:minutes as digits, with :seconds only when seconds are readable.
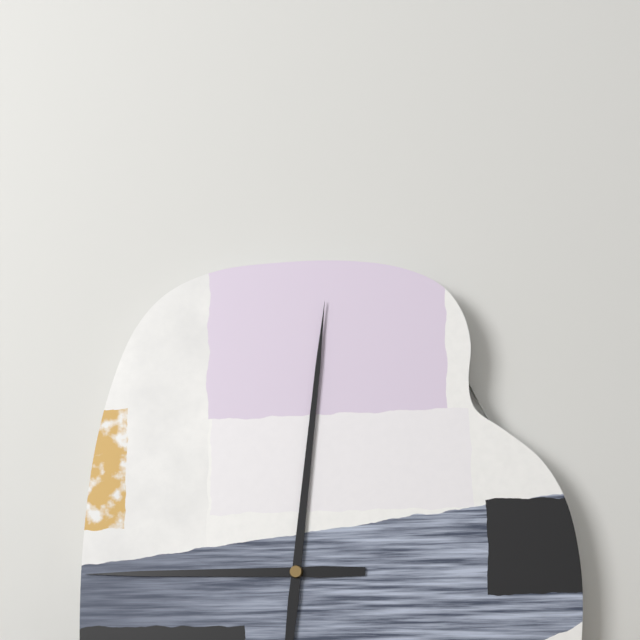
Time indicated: 9:01
